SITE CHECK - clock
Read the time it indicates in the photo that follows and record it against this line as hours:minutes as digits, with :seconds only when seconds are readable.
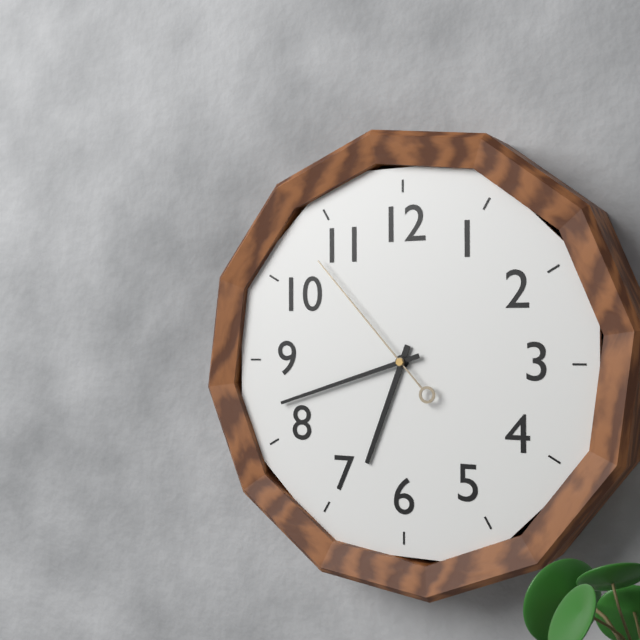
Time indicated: 6:42:53
